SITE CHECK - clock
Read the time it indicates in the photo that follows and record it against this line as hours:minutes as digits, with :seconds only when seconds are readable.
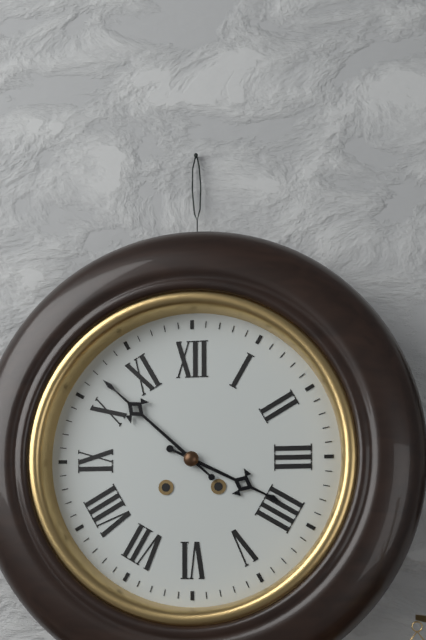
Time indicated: 3:52
